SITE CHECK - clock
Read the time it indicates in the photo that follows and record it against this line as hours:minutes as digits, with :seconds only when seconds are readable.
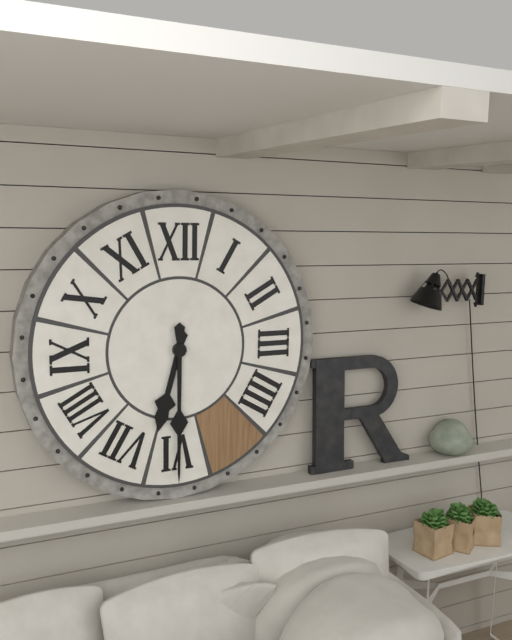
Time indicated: 6:30
